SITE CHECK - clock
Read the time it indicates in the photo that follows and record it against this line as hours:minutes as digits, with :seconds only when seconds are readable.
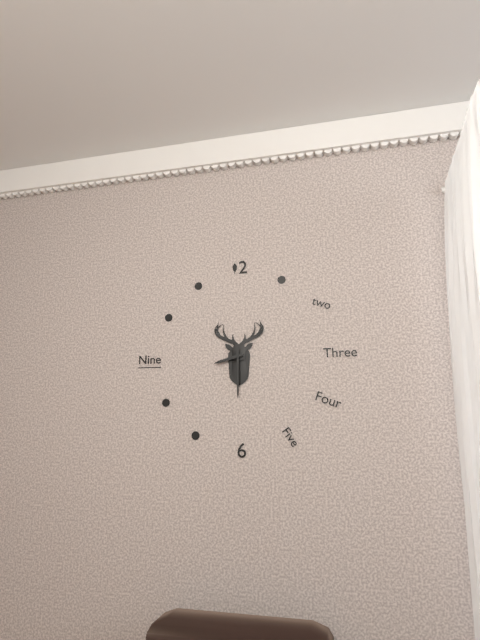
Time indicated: 8:30
